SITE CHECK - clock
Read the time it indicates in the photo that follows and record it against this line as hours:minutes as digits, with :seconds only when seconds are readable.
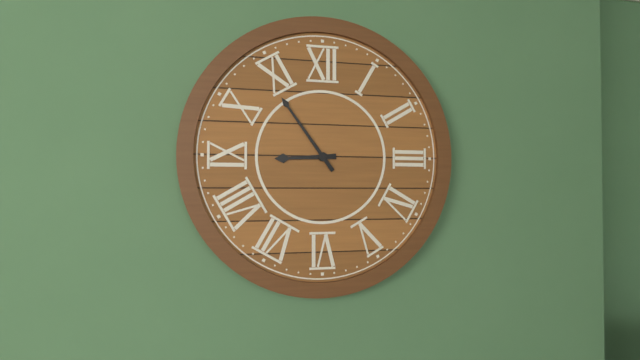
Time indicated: 8:54
